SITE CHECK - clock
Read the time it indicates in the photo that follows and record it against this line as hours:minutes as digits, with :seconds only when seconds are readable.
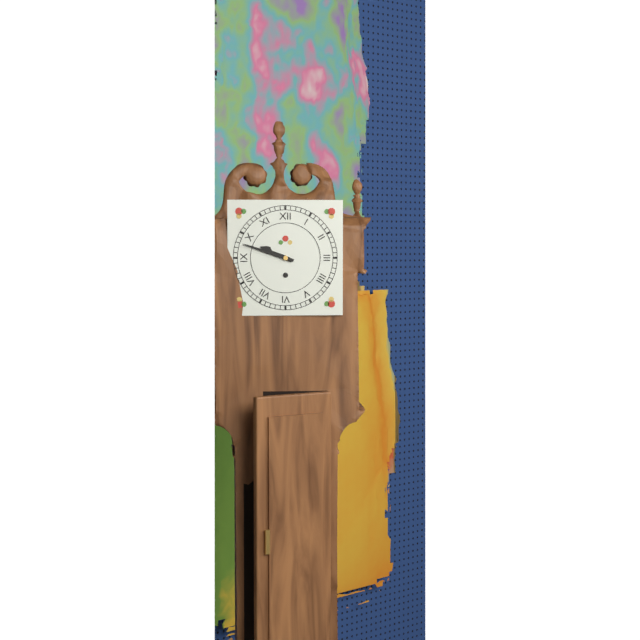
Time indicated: 9:48
